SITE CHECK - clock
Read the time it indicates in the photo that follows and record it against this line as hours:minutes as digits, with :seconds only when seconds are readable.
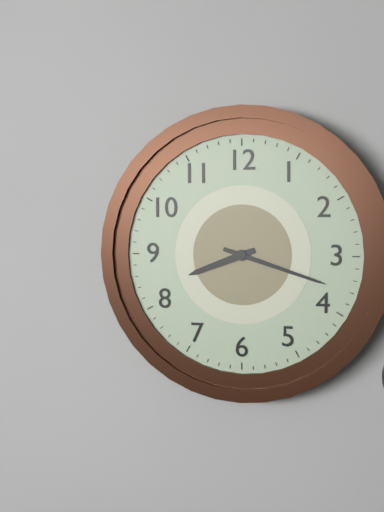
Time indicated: 8:18
